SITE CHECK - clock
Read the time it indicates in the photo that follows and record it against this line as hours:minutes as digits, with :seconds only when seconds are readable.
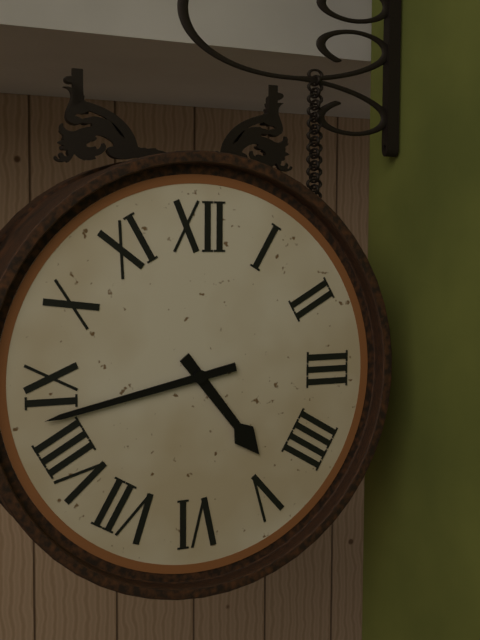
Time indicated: 4:43
